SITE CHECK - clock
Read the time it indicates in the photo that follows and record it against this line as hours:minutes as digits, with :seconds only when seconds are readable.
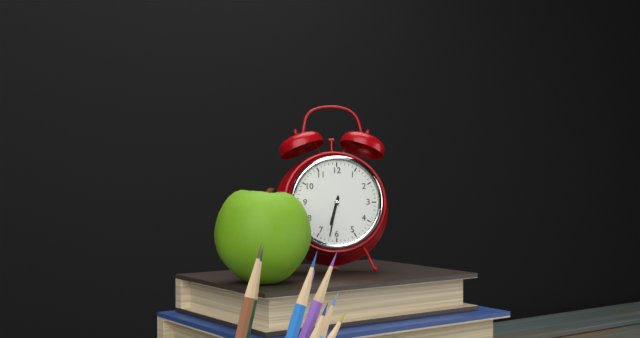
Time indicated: 6:32
